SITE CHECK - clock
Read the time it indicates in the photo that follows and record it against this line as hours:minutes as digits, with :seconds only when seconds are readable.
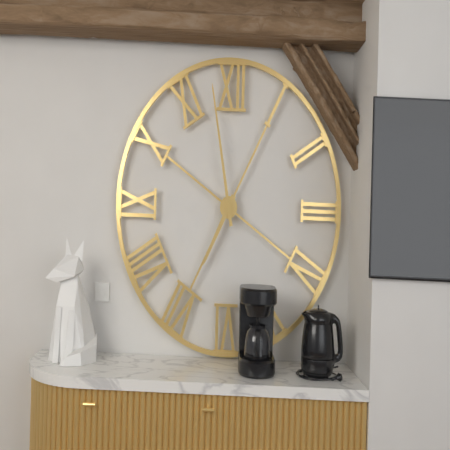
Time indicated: 6:58
